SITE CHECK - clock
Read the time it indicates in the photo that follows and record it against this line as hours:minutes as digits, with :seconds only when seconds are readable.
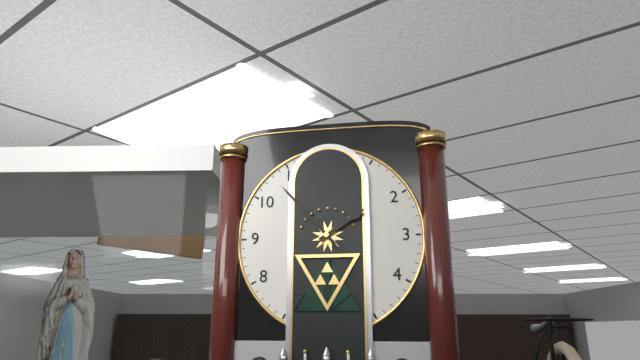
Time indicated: 1:53
